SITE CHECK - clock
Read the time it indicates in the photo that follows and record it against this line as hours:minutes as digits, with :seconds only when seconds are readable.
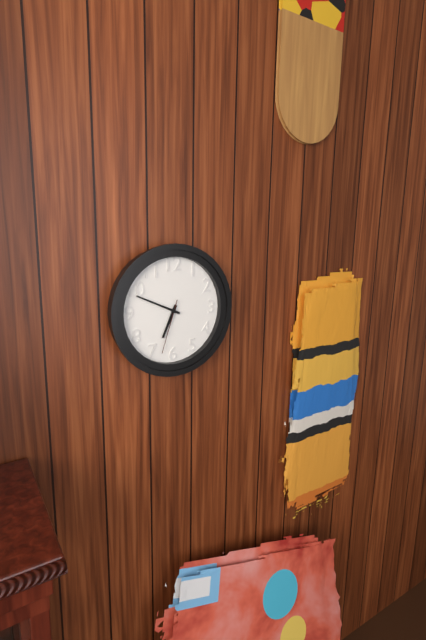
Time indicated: 6:49:33
